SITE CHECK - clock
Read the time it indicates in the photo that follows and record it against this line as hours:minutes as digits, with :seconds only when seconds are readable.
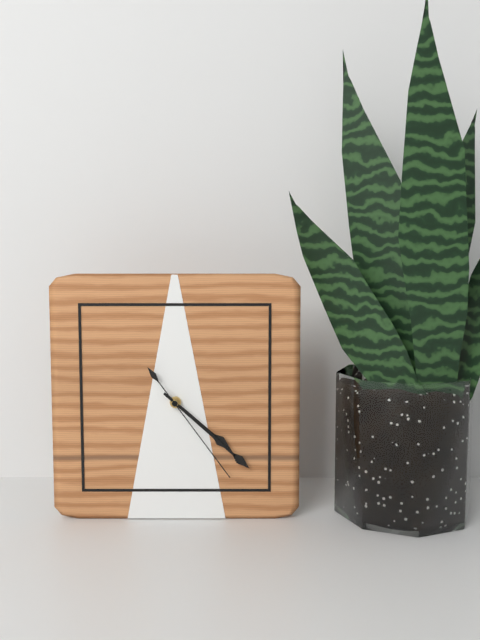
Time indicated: 4:22:24
